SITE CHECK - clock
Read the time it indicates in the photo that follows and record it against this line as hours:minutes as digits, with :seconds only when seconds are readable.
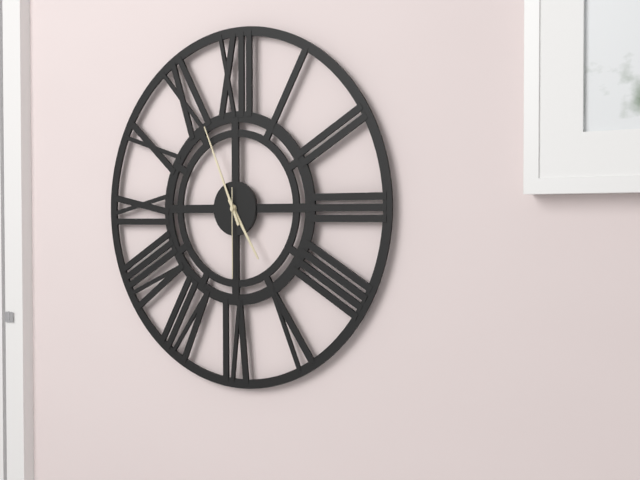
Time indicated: 4:56:30
